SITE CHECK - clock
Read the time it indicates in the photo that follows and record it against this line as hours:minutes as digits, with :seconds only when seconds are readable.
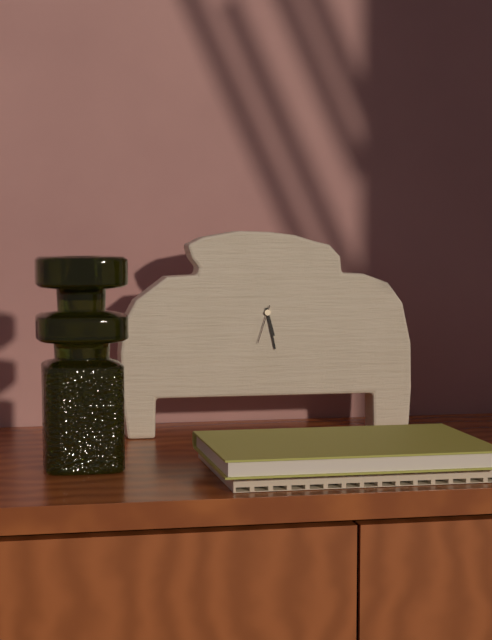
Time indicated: 5:28
